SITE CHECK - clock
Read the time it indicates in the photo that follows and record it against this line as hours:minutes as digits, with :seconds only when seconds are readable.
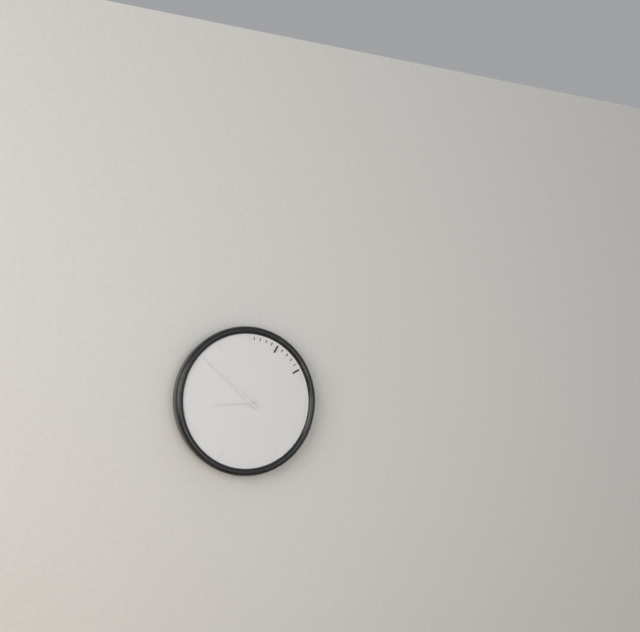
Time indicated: 8:52
